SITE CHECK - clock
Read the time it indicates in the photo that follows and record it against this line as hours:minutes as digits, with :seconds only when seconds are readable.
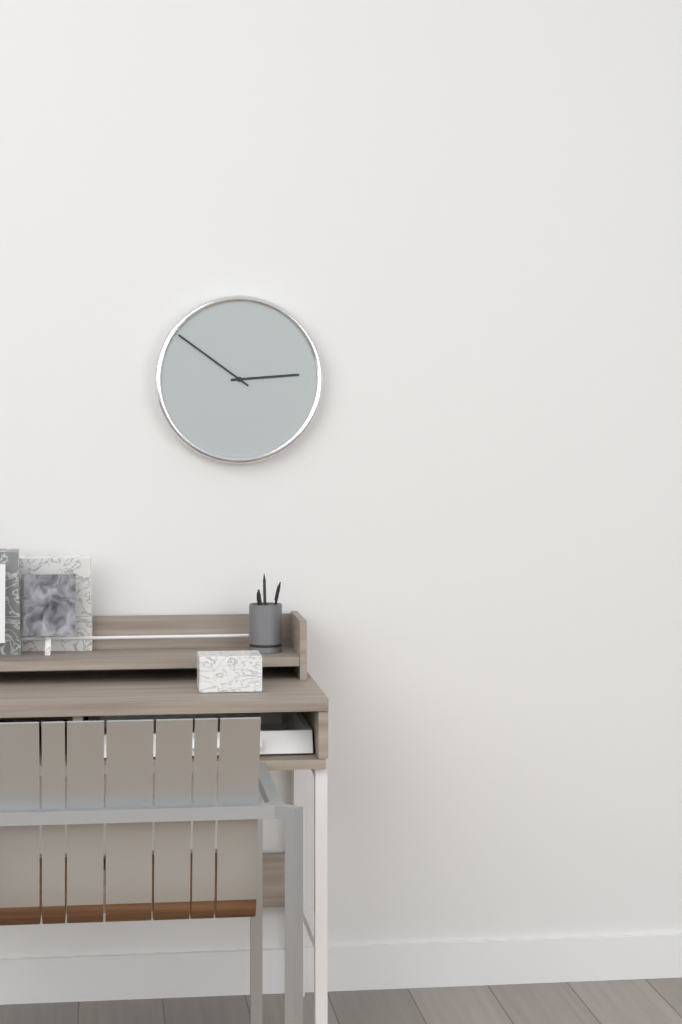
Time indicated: 2:51
